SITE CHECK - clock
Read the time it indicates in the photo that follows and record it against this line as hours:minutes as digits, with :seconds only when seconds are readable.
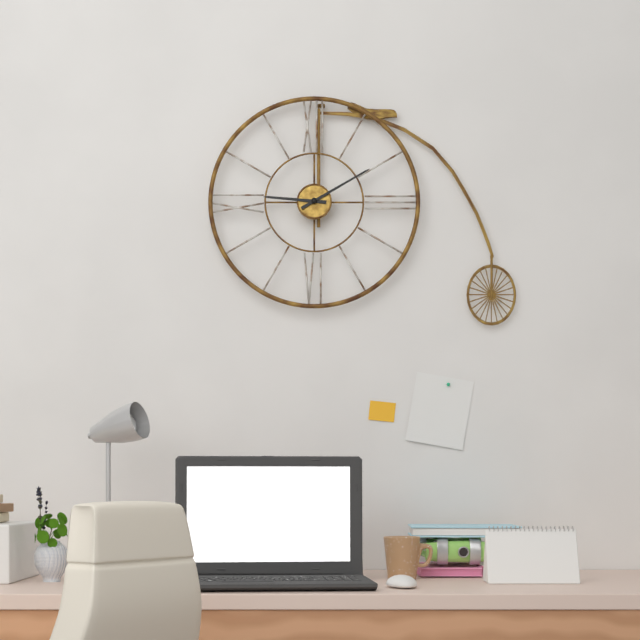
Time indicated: 9:10
